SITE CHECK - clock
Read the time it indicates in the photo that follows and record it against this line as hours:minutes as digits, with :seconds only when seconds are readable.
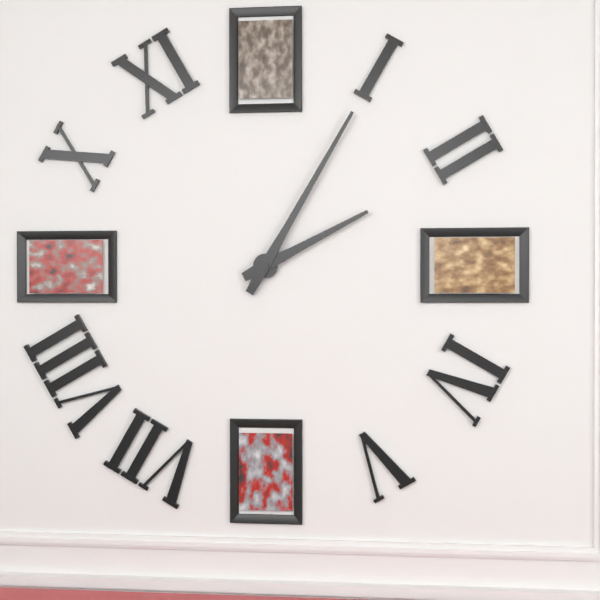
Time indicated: 2:05
